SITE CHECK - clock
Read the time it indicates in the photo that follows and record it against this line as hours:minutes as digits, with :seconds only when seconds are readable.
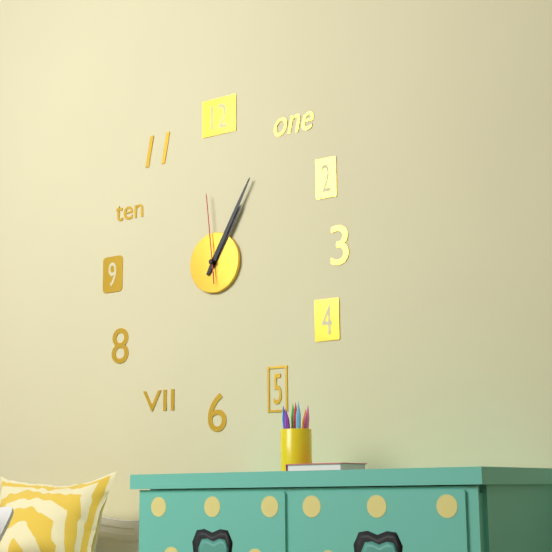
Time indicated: 1:05:59
